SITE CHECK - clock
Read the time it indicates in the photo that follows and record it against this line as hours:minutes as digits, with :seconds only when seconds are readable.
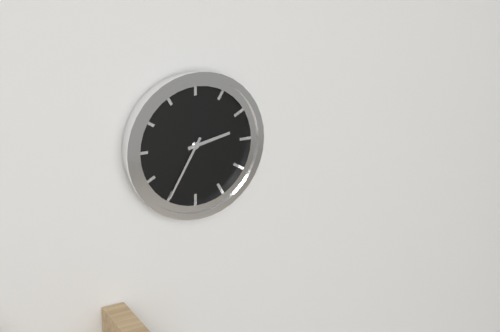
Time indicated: 2:35
